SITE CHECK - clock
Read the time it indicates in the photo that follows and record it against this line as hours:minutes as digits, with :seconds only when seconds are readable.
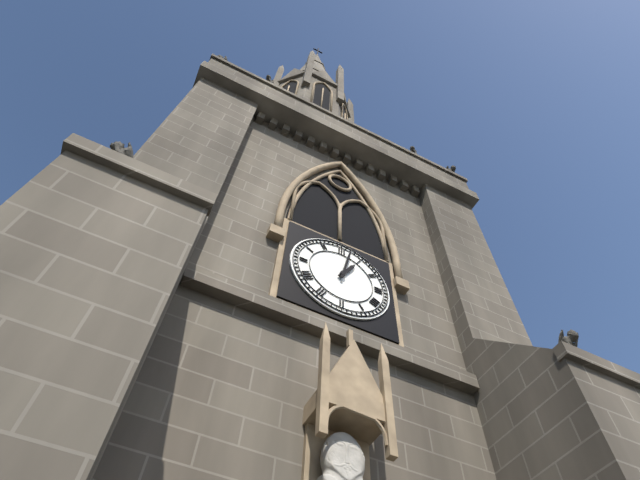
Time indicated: 1:02
